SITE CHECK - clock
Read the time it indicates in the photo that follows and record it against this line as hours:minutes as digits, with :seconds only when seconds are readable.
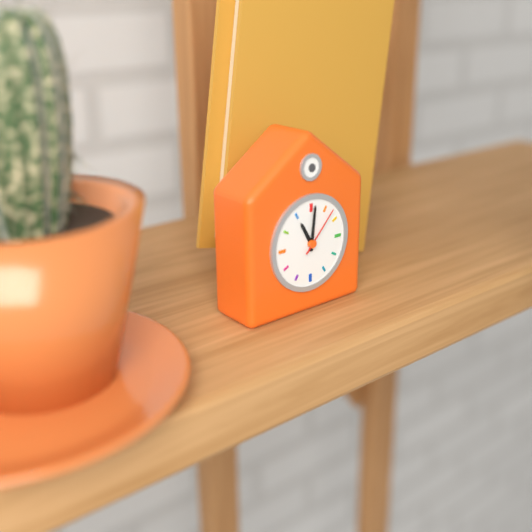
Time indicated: 11:01:07
